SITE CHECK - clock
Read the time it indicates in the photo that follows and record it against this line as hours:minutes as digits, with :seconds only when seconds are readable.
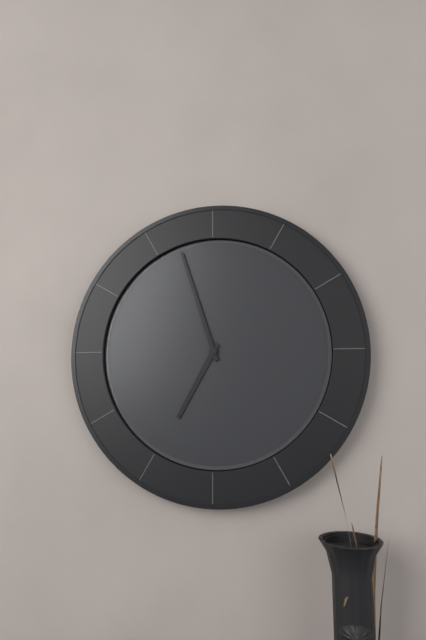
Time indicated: 6:57
